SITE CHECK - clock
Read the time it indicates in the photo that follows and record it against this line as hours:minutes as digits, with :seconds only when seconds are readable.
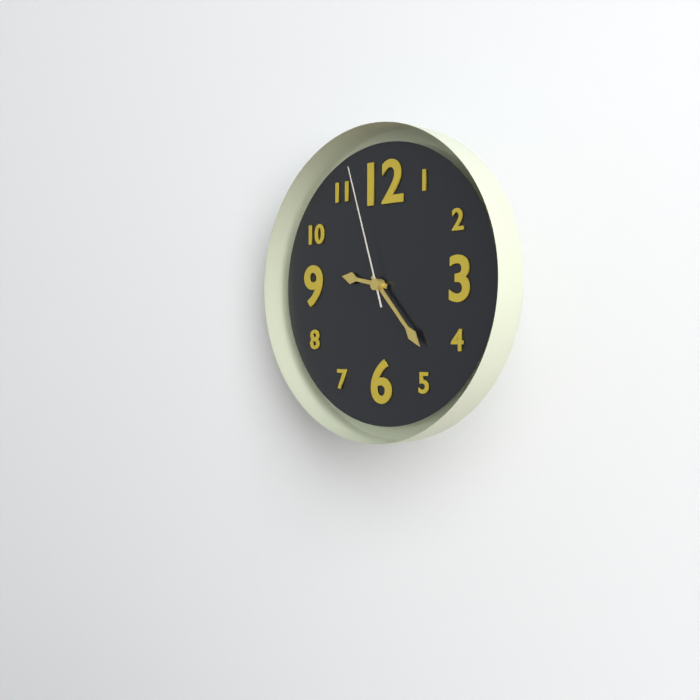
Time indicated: 9:23:57
